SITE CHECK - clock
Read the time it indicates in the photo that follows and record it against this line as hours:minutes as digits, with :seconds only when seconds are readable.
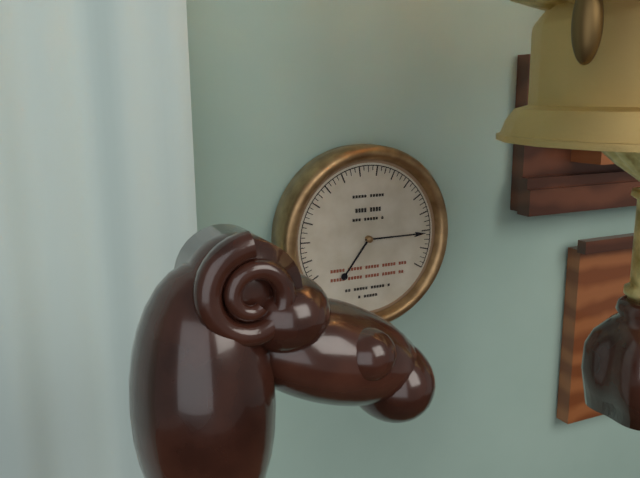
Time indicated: 7:15
